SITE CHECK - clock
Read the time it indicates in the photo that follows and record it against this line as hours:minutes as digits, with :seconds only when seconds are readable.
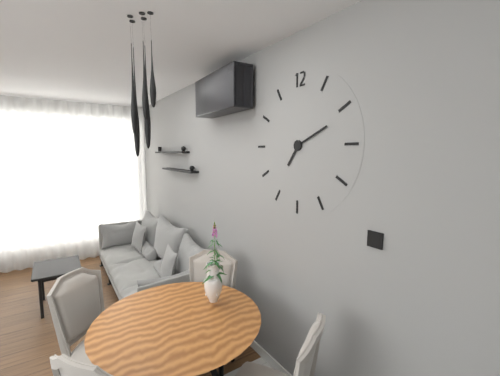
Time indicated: 7:11
